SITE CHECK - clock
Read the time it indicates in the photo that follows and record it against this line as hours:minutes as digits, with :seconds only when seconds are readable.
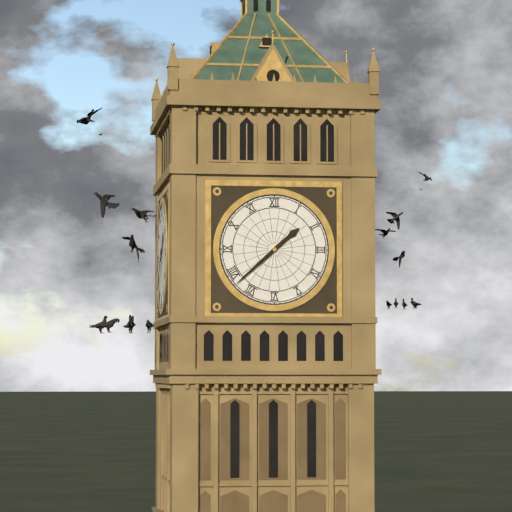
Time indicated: 1:38
